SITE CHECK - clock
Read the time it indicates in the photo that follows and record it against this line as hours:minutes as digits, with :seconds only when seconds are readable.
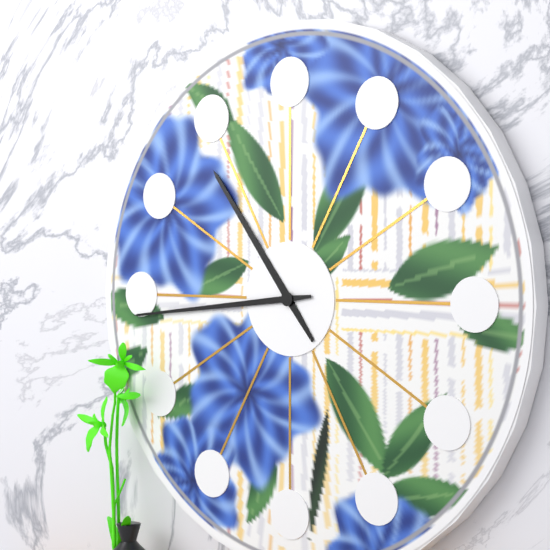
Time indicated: 10:44
